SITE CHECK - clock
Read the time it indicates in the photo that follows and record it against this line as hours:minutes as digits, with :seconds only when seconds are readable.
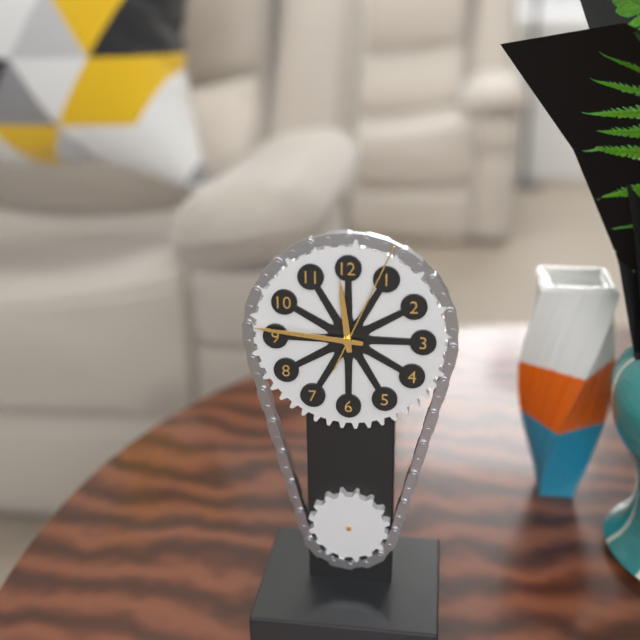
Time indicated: 11:46:04
